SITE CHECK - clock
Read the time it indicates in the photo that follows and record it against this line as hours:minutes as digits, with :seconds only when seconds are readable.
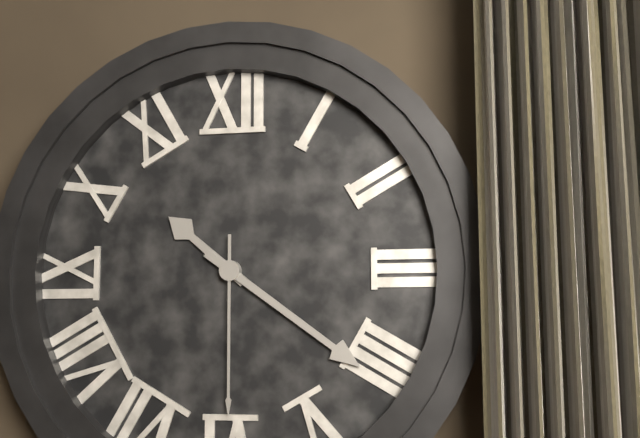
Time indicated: 10:21:30
